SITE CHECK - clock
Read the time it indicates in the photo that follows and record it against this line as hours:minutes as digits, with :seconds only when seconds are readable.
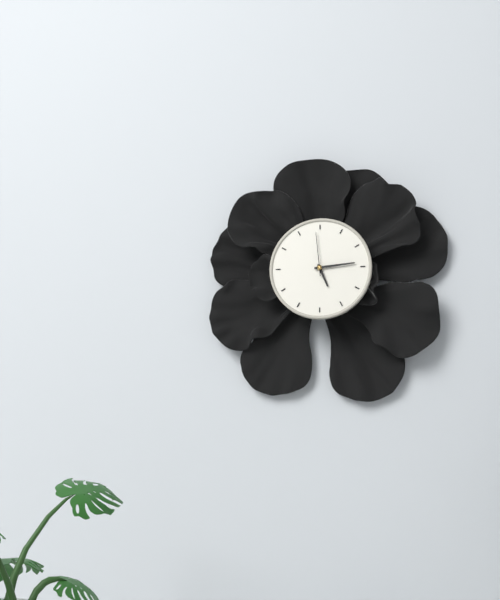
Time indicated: 5:14
